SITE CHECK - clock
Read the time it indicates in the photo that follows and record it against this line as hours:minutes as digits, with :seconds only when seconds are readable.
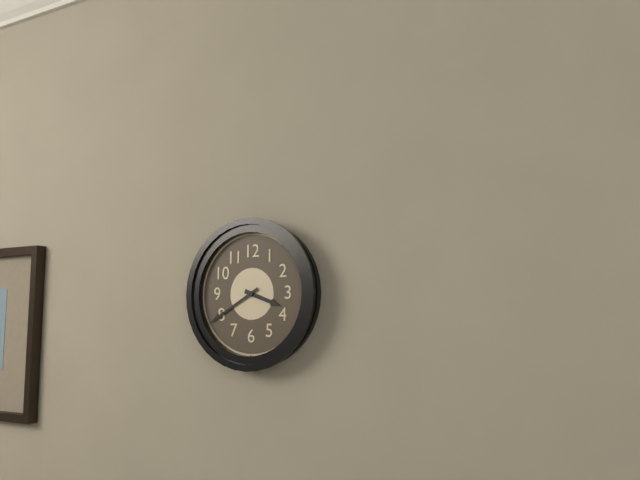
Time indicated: 3:40
